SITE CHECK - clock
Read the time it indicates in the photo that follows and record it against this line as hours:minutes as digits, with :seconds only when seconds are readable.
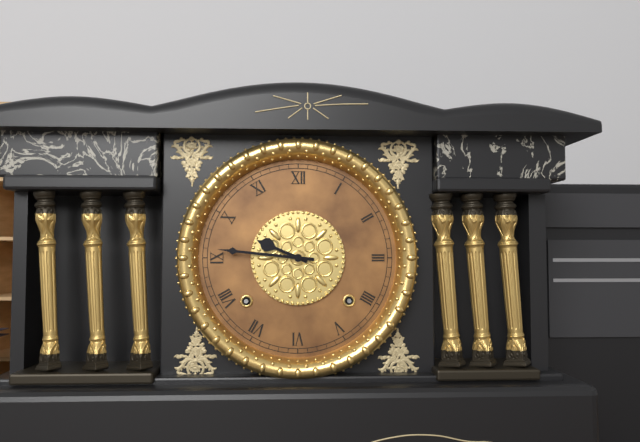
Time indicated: 9:46
